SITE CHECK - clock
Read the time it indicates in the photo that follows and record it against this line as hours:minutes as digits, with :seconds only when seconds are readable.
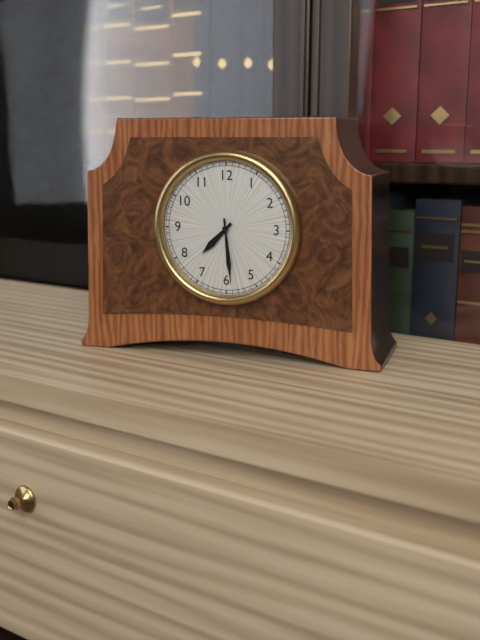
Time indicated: 7:29
